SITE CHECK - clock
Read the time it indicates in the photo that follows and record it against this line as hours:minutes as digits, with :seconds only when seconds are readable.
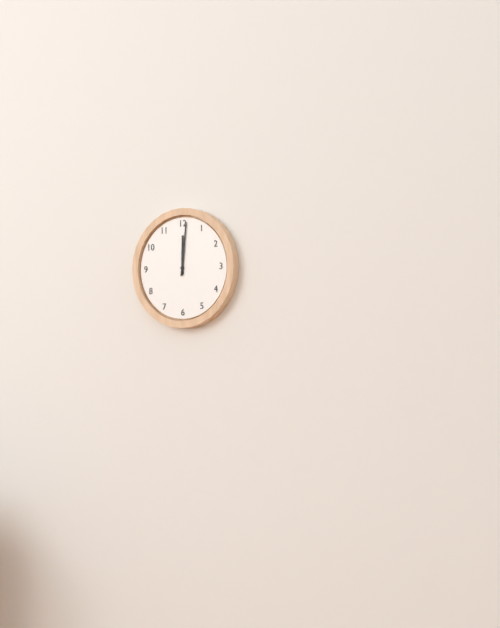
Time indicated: 12:01
